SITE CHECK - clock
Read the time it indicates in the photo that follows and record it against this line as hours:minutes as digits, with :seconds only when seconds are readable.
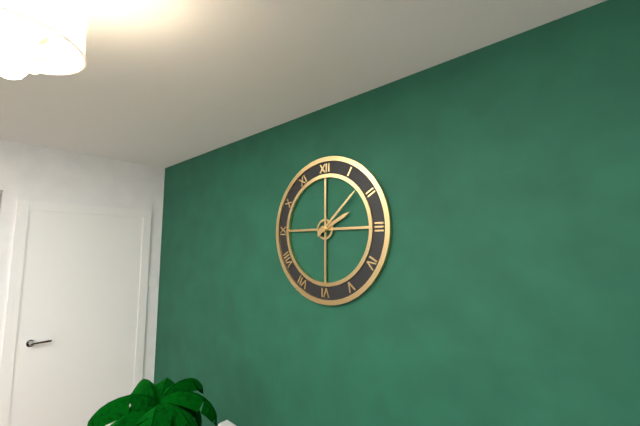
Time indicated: 2:08
